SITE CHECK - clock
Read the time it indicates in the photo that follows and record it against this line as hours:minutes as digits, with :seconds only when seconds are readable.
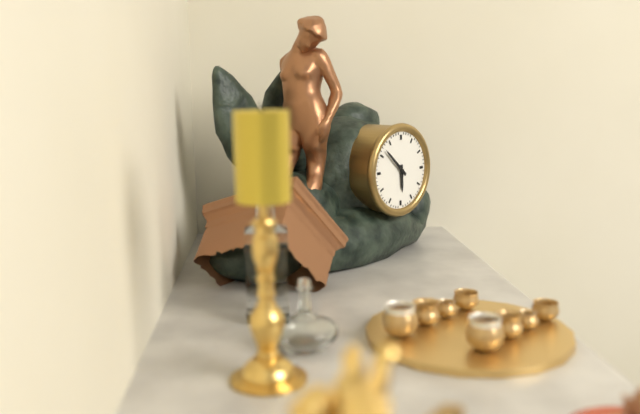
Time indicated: 5:52
